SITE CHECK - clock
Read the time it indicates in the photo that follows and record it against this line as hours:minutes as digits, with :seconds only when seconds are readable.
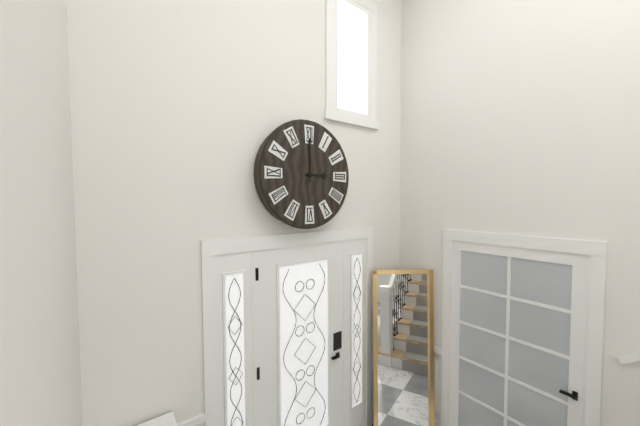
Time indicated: 3:00
